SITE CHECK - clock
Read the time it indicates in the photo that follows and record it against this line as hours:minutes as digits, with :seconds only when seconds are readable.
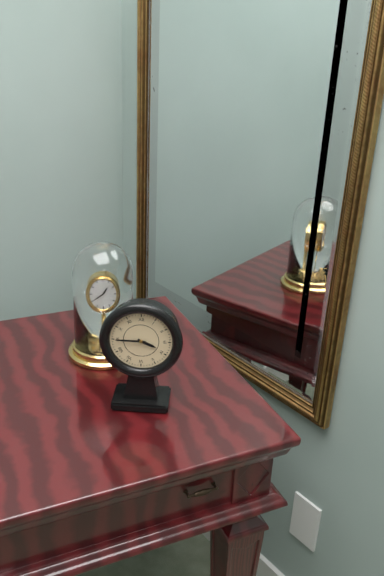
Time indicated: 3:45
